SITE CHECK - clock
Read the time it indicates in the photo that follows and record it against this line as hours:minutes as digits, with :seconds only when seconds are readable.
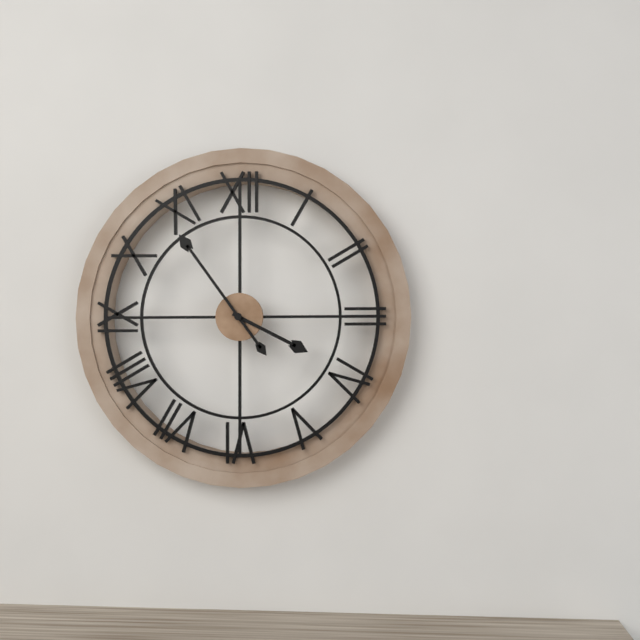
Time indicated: 3:54
